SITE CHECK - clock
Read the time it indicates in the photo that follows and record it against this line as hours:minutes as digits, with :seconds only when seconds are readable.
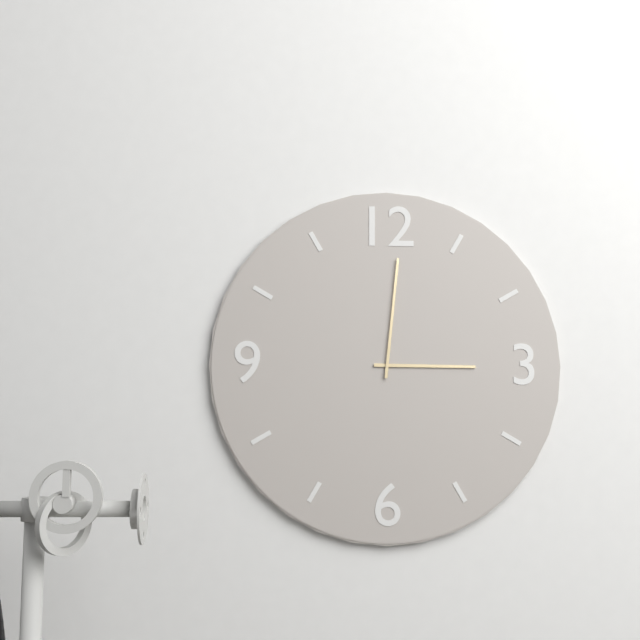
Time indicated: 3:01
